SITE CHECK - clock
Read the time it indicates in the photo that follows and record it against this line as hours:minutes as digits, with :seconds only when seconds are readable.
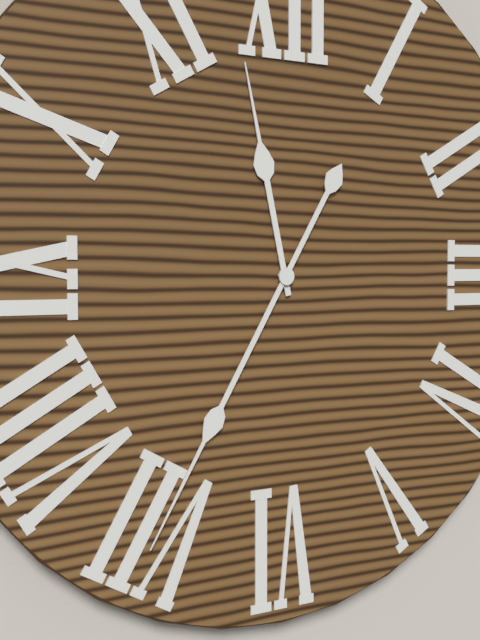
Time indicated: 11:35
